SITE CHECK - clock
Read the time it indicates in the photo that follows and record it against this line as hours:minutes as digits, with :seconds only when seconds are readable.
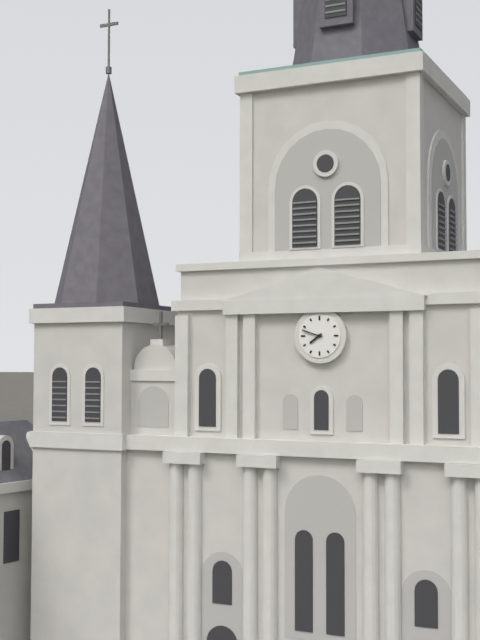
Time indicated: 7:48
